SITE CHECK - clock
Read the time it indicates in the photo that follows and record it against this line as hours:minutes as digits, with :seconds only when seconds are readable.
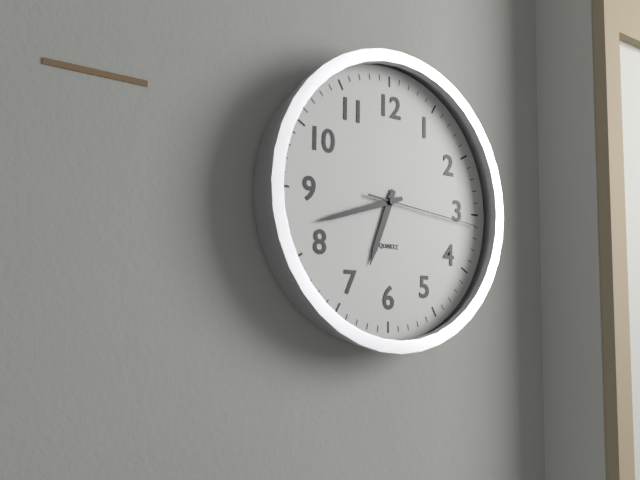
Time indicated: 6:42:16
